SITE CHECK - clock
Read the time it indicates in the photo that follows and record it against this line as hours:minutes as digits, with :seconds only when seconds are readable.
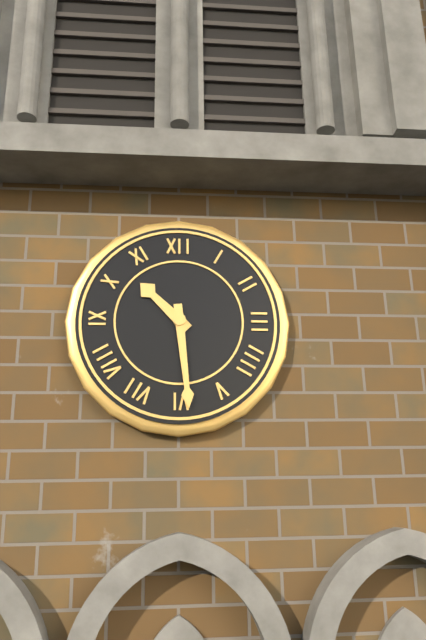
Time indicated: 10:29
